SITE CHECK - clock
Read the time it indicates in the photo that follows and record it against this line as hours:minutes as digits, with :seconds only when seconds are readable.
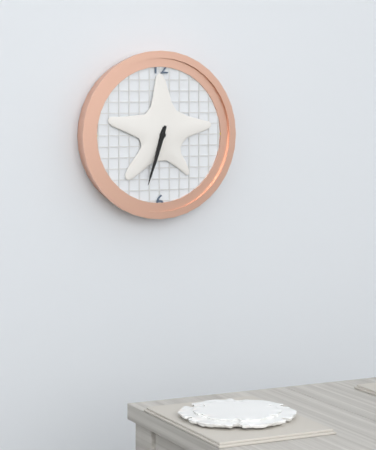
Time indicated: 6:33
